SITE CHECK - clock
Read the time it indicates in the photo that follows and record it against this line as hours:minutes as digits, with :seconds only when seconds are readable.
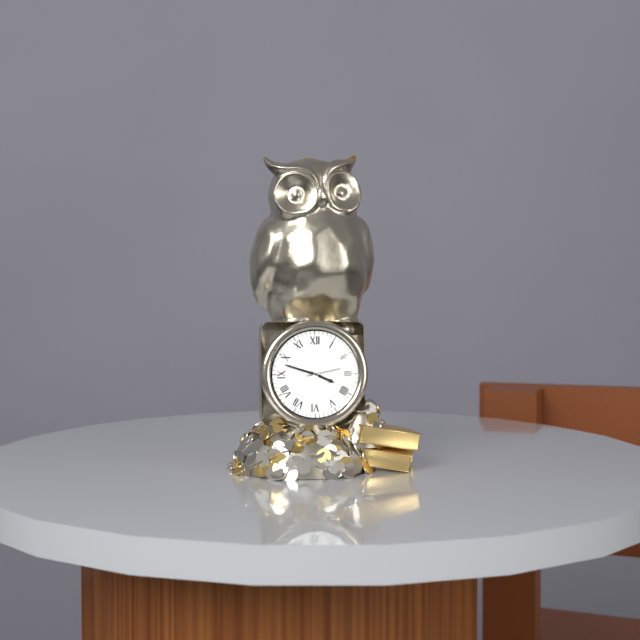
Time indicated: 3:48
